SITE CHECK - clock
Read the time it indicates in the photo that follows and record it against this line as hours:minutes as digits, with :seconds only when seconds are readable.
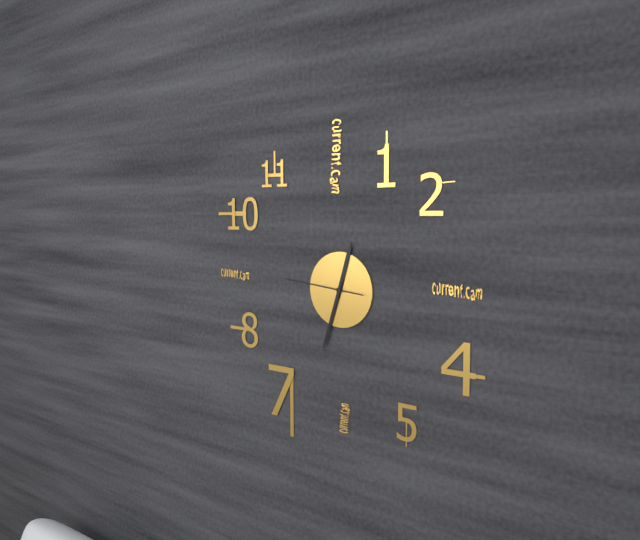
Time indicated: 12:33:46
